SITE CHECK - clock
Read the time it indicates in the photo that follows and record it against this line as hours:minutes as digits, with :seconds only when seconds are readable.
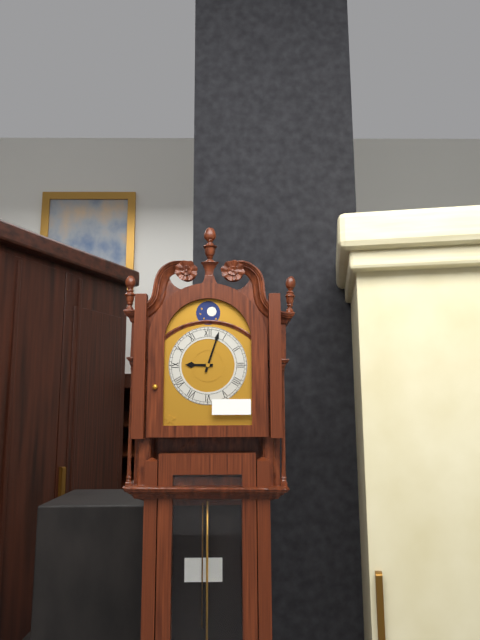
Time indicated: 9:03
